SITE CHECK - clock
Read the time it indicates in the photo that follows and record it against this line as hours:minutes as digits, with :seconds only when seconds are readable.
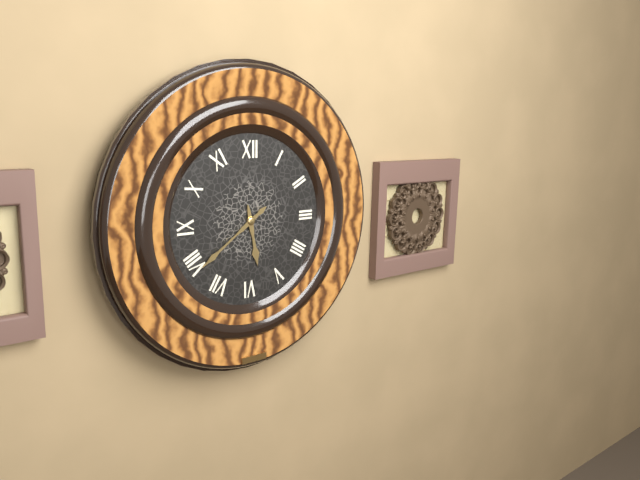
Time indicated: 5:39
